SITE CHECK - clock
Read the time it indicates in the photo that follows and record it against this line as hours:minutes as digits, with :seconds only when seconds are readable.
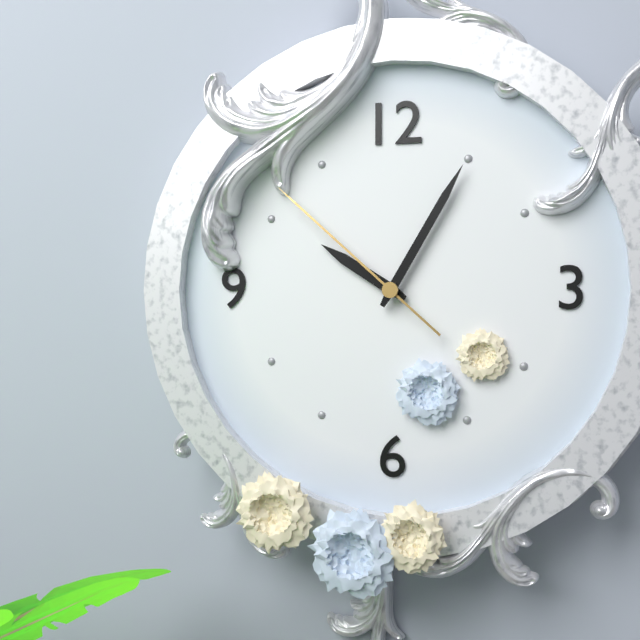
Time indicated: 10:05:52
